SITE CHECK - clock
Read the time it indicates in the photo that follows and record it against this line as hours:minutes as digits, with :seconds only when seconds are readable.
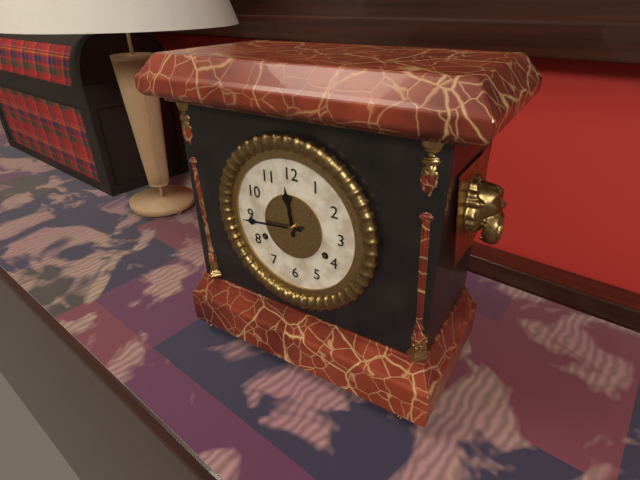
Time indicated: 11:44
